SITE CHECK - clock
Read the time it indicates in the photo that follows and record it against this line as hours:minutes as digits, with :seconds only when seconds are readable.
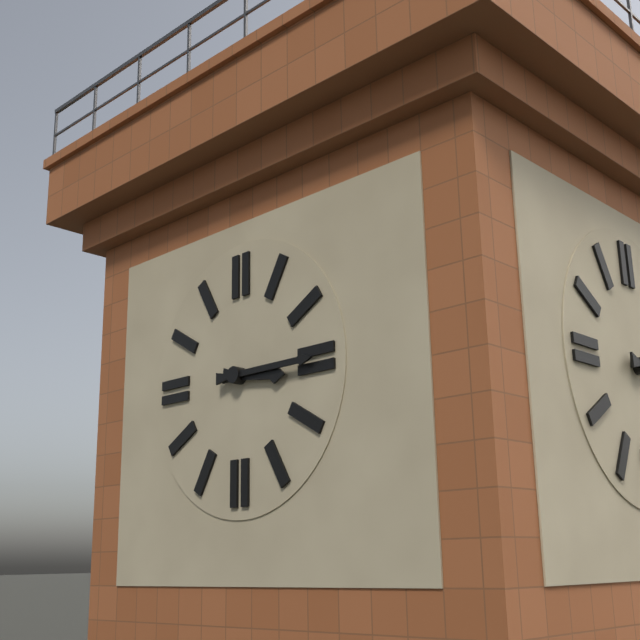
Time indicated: 3:15
